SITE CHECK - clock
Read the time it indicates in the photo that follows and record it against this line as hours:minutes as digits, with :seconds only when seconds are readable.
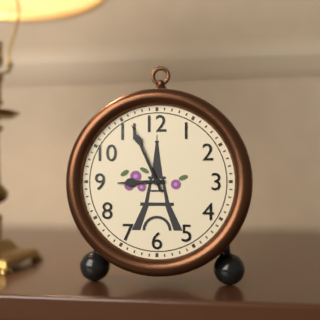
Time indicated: 8:56
